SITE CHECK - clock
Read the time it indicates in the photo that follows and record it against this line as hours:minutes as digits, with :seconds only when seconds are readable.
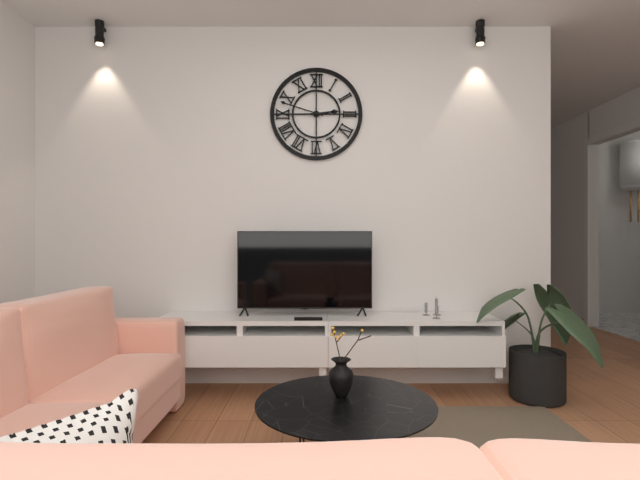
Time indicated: 2:48
